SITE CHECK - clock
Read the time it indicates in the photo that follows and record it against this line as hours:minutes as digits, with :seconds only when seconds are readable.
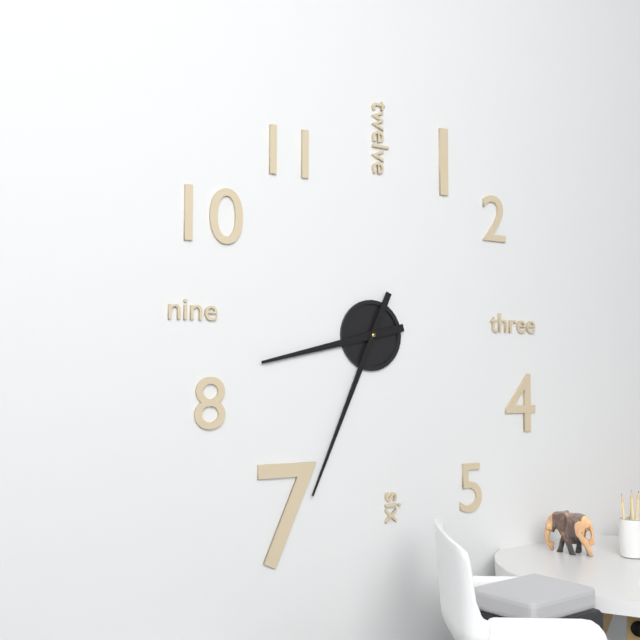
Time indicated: 8:34
